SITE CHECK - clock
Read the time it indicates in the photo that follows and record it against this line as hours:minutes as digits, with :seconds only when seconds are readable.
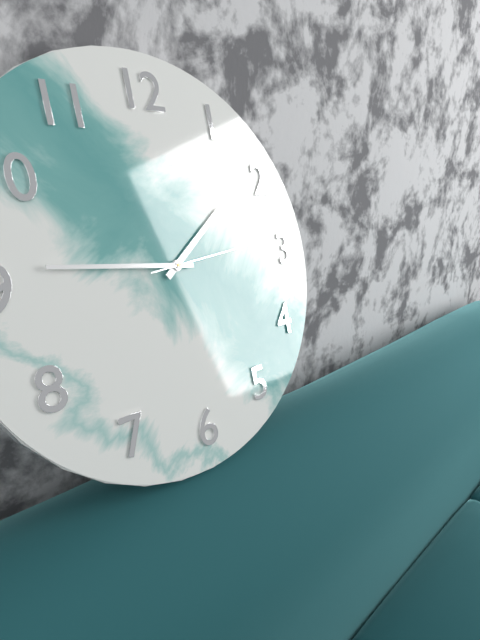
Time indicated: 1:46:14
